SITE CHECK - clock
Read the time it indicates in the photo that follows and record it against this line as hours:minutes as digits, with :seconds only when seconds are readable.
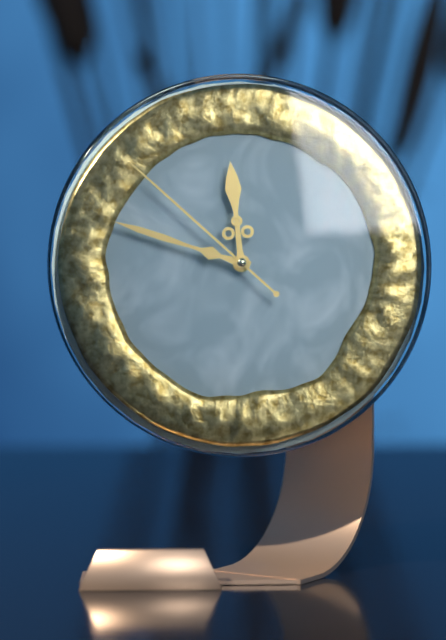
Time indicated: 11:48:52
